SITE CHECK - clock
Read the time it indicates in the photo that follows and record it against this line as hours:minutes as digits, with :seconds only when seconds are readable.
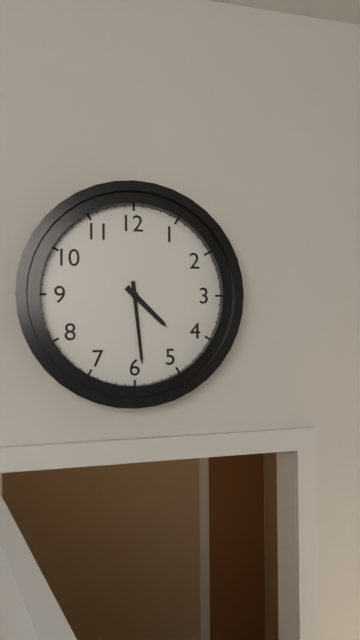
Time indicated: 4:29
